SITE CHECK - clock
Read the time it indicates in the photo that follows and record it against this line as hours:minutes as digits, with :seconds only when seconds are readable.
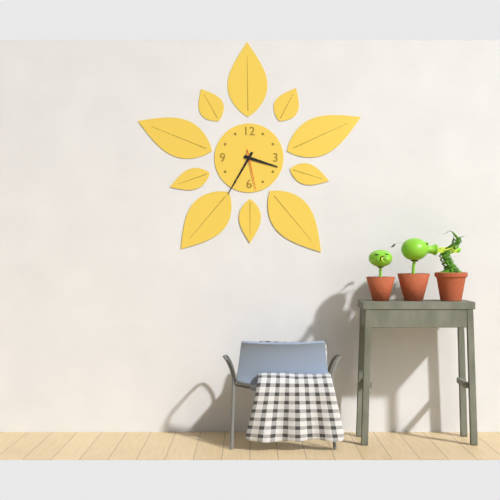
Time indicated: 3:35
